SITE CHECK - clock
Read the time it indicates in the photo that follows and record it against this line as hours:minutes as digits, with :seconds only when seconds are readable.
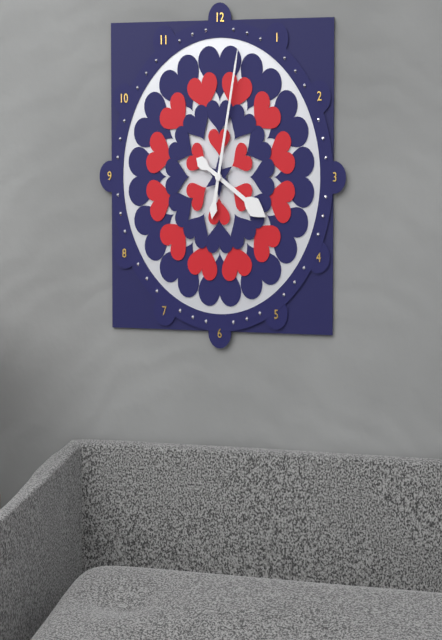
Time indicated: 4:02
